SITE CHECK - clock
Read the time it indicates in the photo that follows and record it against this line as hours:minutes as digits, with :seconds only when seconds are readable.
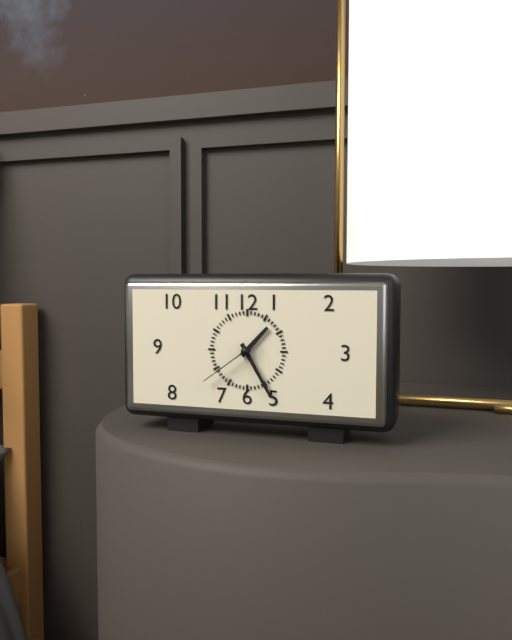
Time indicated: 1:25:39
